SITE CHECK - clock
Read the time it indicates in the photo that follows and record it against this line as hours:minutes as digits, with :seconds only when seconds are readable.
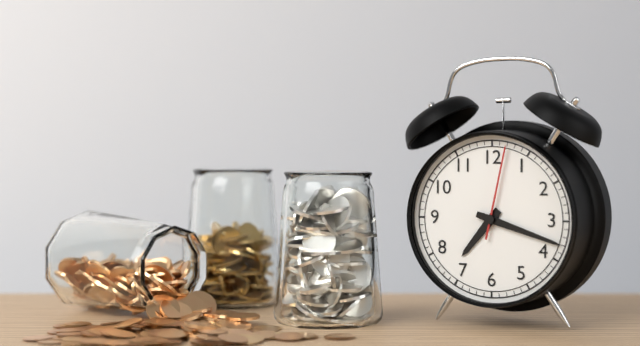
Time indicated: 7:18:02
